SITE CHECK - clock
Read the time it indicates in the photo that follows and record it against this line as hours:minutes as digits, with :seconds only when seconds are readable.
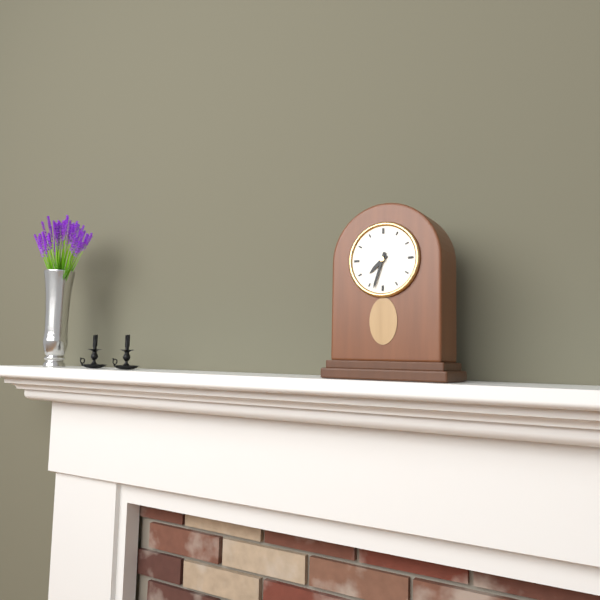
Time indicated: 7:33
